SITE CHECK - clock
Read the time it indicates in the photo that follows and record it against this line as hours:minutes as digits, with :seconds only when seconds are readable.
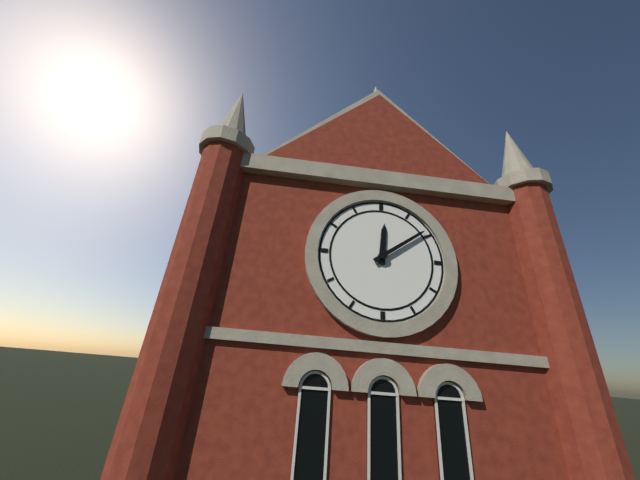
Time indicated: 12:09
